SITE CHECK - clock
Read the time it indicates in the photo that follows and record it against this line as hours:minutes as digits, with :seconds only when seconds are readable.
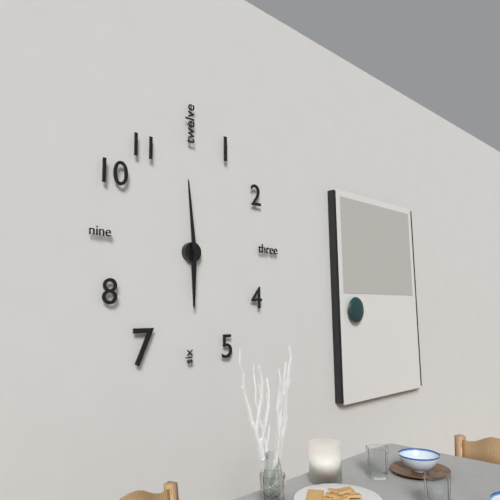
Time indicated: 5:59
